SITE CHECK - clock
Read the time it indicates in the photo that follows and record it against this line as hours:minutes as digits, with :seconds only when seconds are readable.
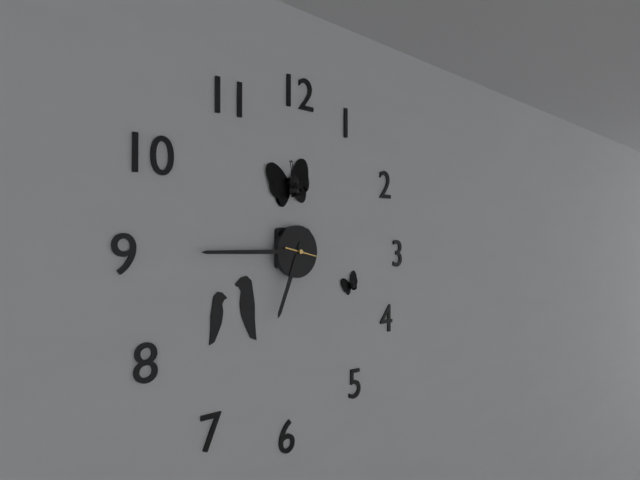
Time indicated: 6:45
